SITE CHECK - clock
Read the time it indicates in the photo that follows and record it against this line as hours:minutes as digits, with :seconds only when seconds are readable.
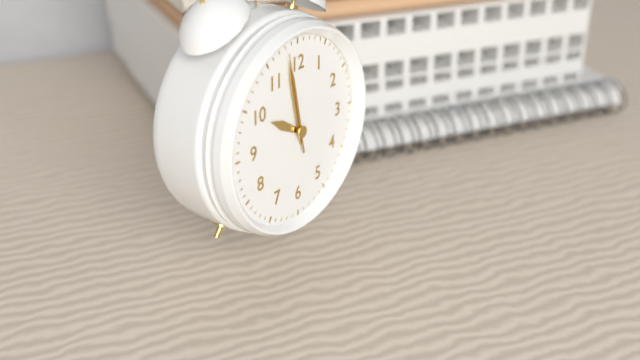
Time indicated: 9:58:58
